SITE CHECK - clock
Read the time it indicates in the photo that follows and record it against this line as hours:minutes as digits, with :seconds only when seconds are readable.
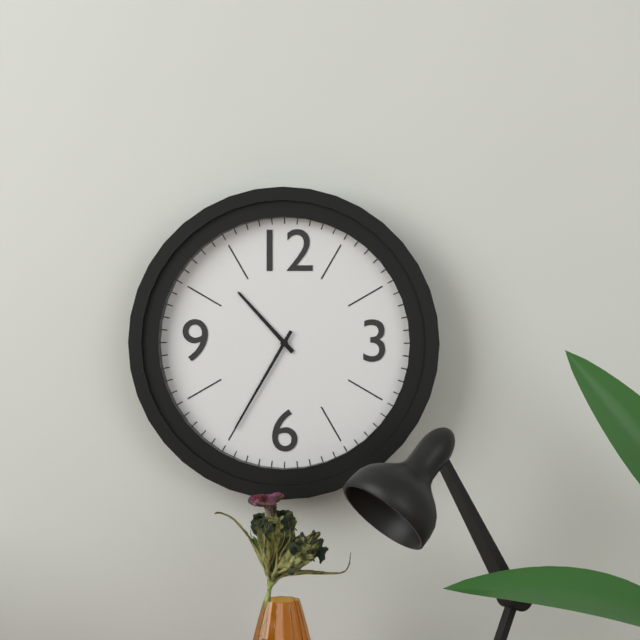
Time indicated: 10:35
